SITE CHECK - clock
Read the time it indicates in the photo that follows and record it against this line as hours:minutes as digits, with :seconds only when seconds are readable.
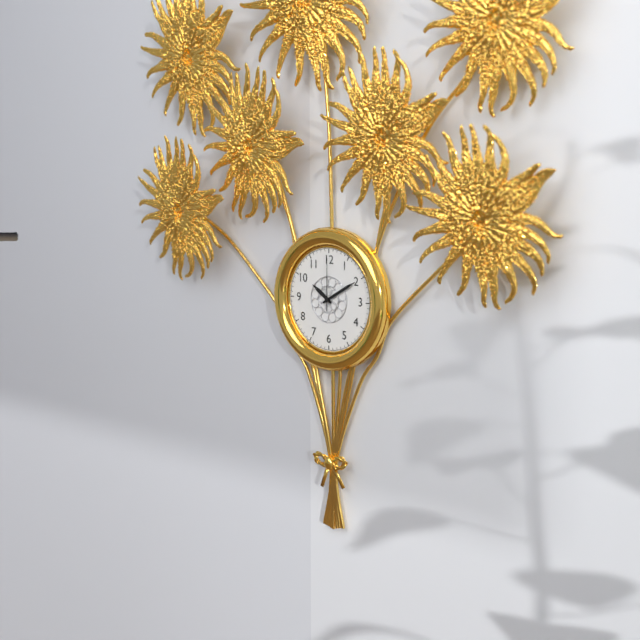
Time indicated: 10:10:00
